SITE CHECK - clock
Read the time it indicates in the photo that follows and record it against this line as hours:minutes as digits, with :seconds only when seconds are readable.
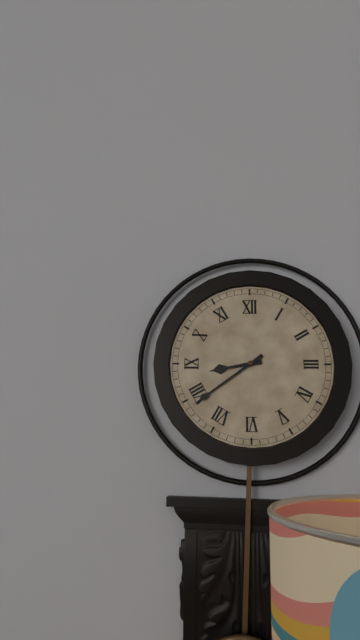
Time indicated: 8:39
